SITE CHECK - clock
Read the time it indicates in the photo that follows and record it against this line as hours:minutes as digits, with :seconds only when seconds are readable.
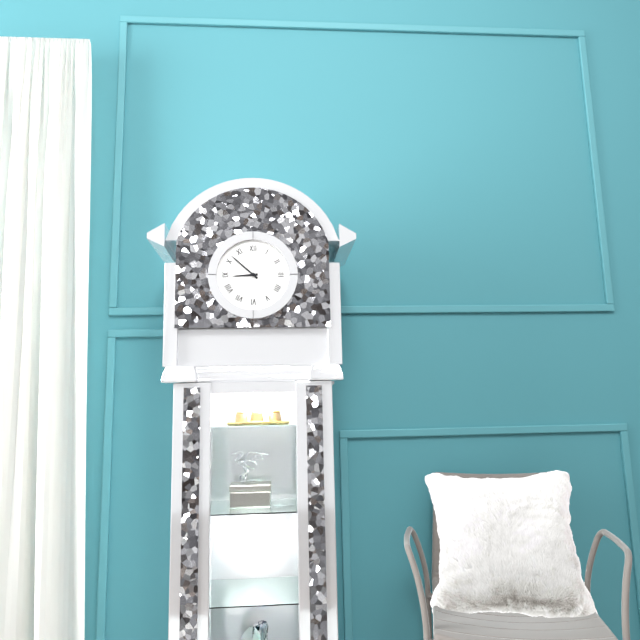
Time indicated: 8:52
